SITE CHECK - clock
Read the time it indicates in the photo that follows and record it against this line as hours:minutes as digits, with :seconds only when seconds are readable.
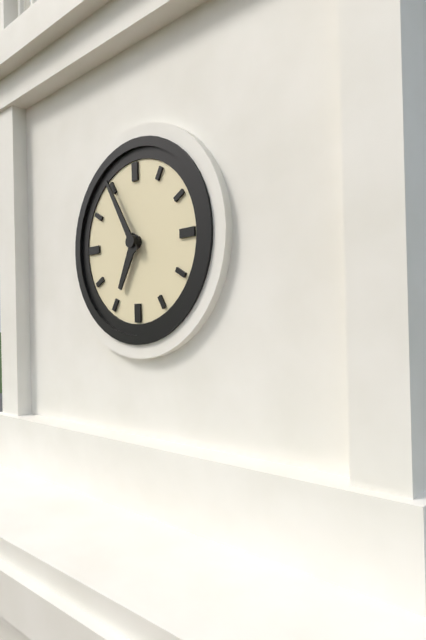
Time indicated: 6:55
